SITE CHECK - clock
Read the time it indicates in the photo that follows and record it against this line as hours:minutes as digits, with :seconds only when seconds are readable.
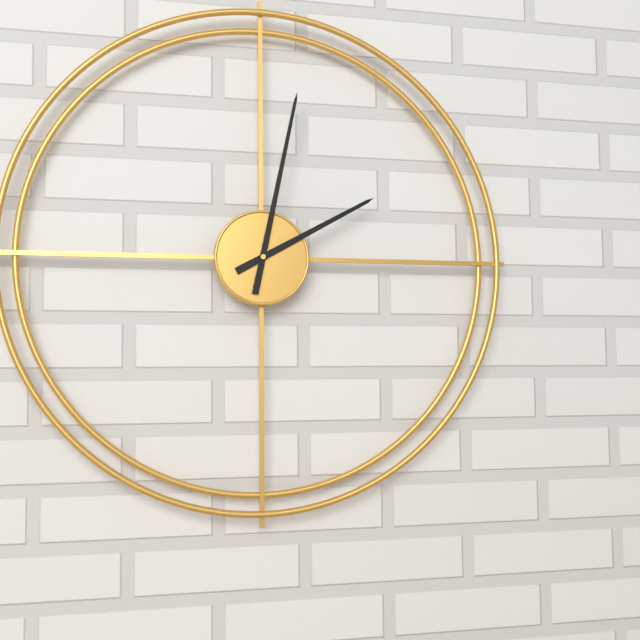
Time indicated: 2:02
